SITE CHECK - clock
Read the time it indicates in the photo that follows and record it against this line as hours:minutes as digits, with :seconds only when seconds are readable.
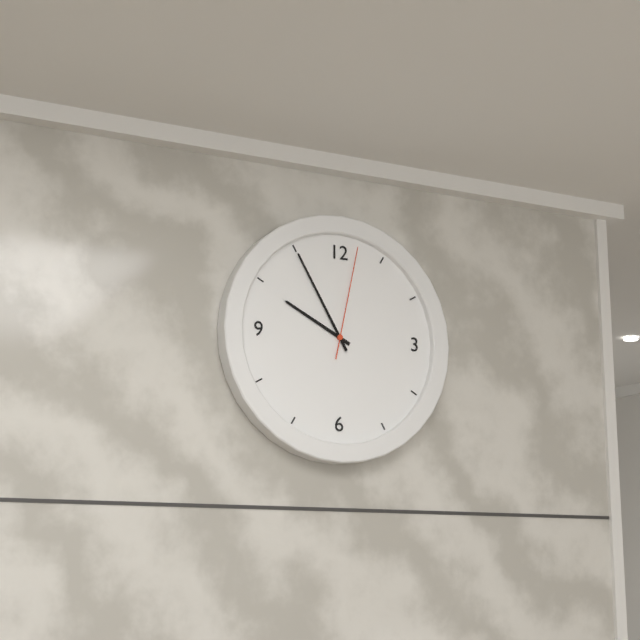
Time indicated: 9:55:02
